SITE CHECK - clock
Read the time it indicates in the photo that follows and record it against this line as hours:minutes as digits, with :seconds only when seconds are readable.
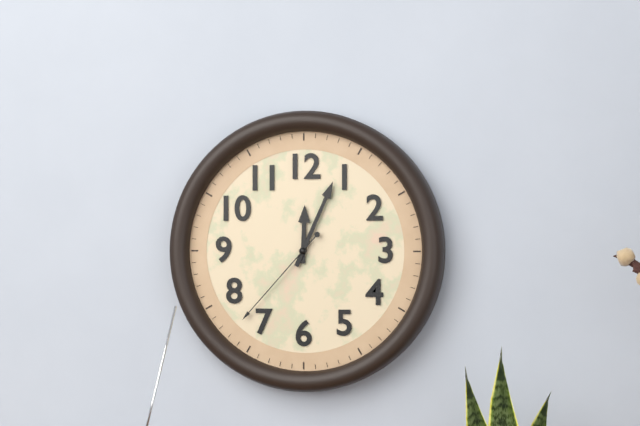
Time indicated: 12:04:37
